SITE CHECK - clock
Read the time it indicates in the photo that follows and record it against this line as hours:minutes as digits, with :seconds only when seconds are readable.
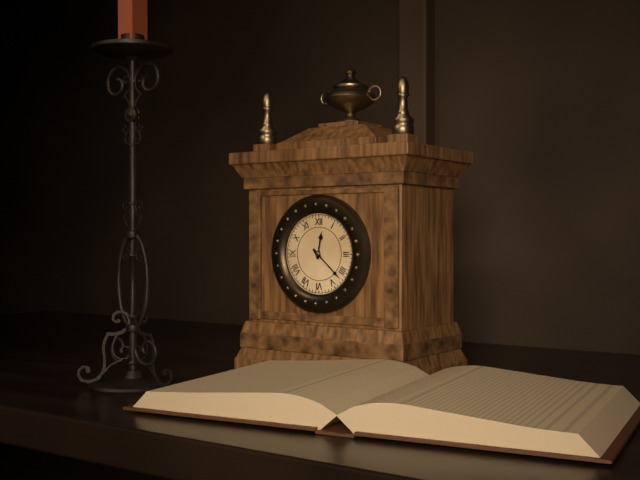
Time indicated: 12:22
